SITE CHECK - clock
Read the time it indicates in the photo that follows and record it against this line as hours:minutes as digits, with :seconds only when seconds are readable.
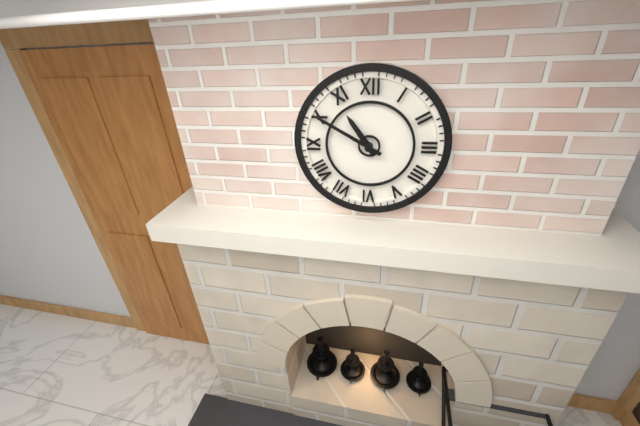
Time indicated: 10:50
